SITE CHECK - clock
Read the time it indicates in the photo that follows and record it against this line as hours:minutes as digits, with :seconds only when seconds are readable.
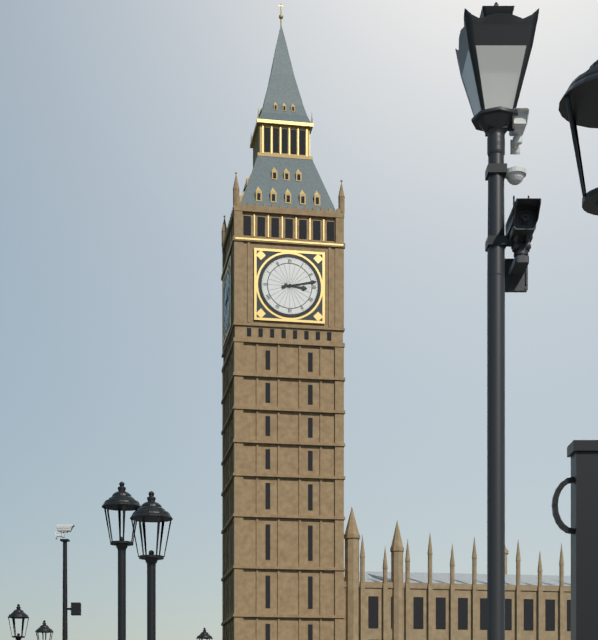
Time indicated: 3:13
